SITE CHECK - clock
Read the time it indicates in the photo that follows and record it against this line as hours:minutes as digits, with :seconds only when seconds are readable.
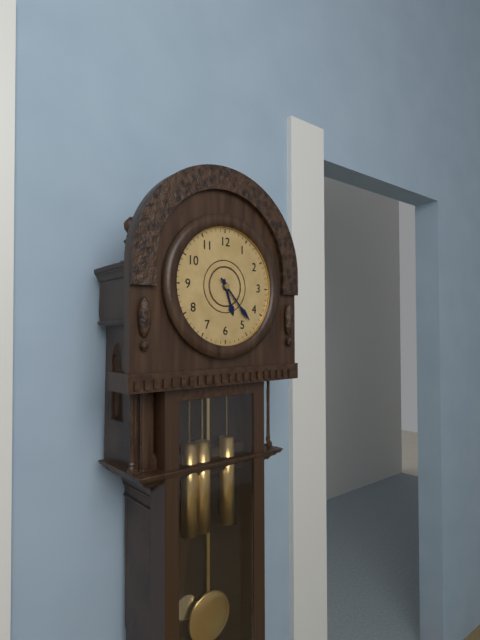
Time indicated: 5:23
